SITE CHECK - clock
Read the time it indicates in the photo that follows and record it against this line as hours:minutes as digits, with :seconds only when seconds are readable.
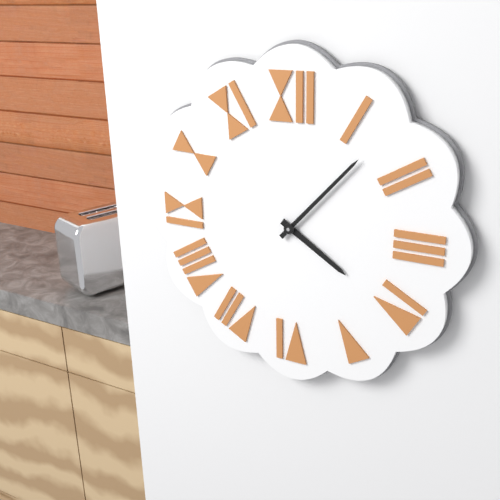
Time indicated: 4:07
